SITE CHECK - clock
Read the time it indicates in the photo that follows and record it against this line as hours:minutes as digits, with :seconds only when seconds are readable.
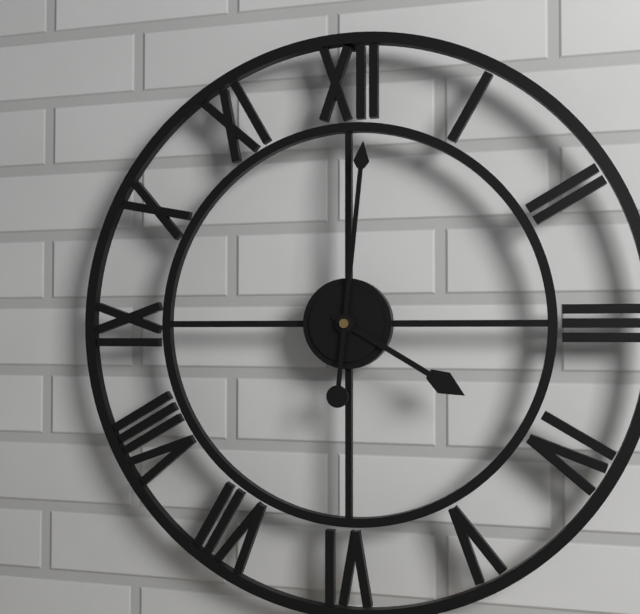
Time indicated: 4:01
